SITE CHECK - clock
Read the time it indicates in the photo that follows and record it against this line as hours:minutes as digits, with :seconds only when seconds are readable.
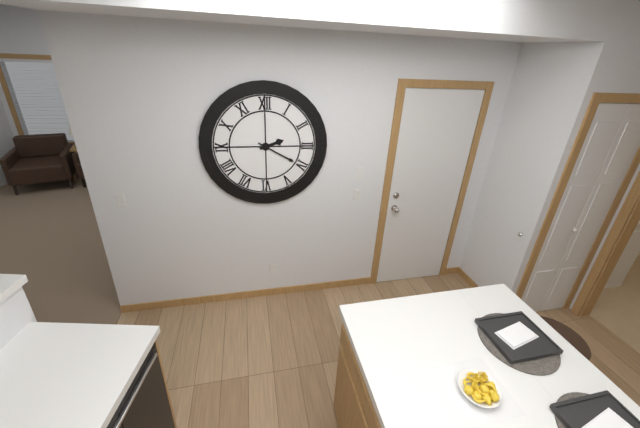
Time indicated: 2:20
